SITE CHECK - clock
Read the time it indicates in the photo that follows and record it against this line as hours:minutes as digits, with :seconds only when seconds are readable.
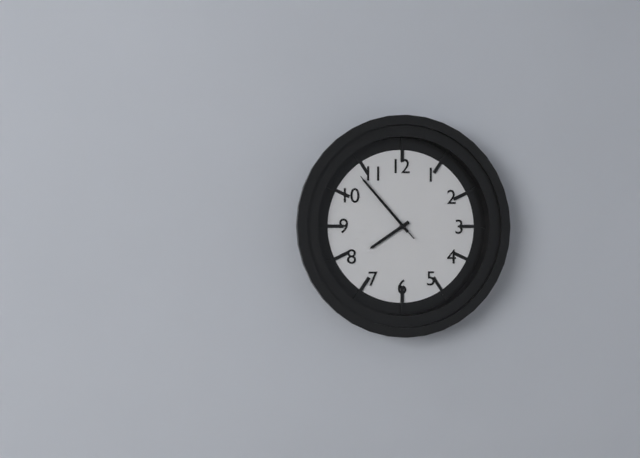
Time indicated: 7:53:53
